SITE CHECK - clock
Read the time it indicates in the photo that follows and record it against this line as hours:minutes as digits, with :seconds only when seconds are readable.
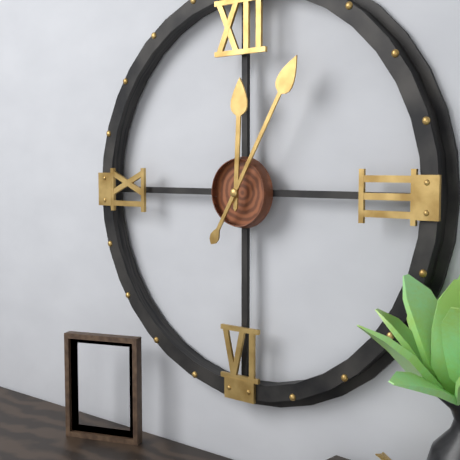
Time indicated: 12:05
